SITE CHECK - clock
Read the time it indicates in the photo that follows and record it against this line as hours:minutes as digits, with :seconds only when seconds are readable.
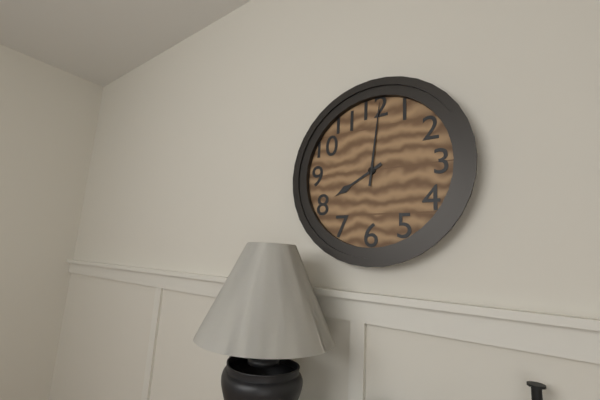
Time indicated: 8:01
